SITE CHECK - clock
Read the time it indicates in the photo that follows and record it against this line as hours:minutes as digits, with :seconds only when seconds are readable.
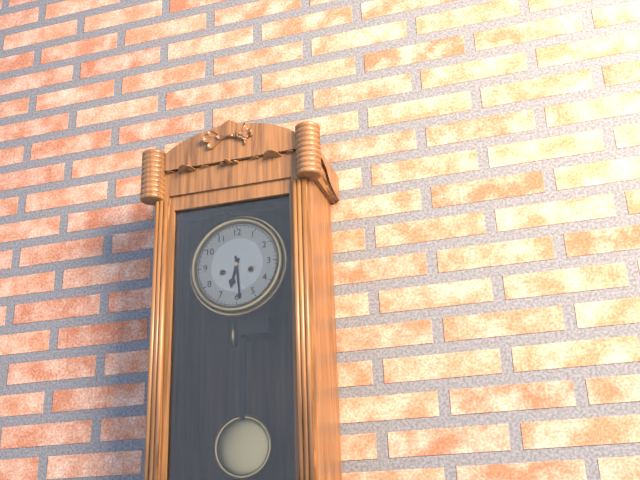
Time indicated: 6:29
